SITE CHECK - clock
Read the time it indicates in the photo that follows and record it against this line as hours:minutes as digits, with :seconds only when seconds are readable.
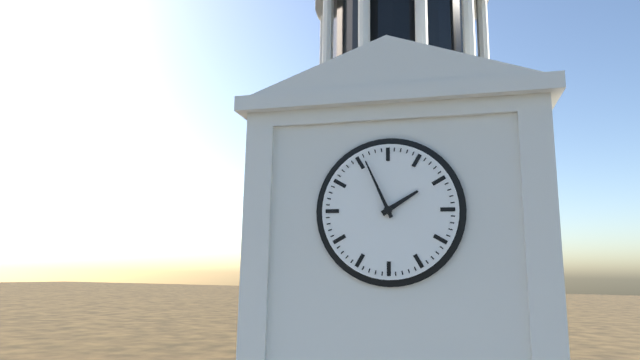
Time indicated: 1:56
